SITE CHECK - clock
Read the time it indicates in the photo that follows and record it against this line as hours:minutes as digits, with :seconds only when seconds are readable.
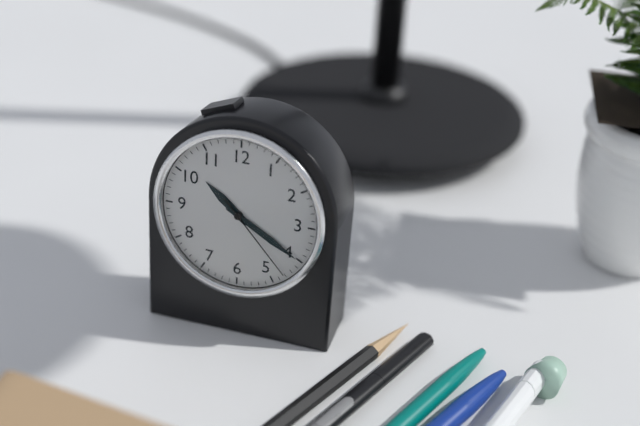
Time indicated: 10:20:23
